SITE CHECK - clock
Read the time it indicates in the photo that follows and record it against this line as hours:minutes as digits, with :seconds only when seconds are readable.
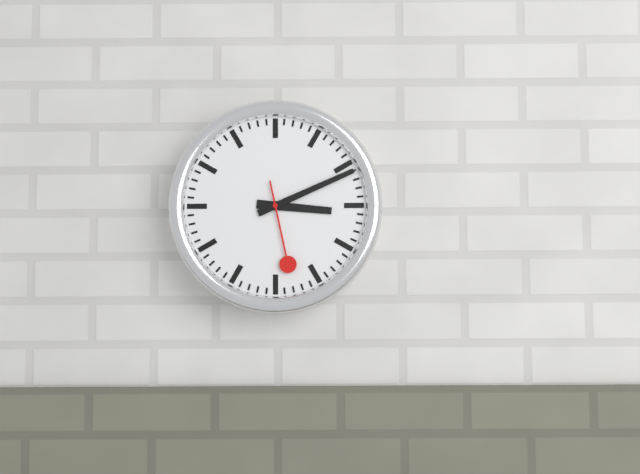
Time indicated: 3:11:28
